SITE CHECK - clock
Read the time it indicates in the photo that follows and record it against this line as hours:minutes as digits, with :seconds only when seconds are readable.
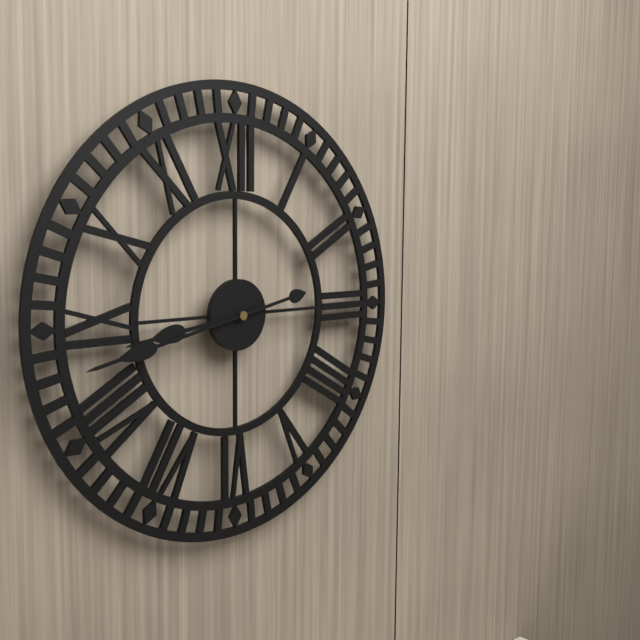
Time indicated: 8:43
